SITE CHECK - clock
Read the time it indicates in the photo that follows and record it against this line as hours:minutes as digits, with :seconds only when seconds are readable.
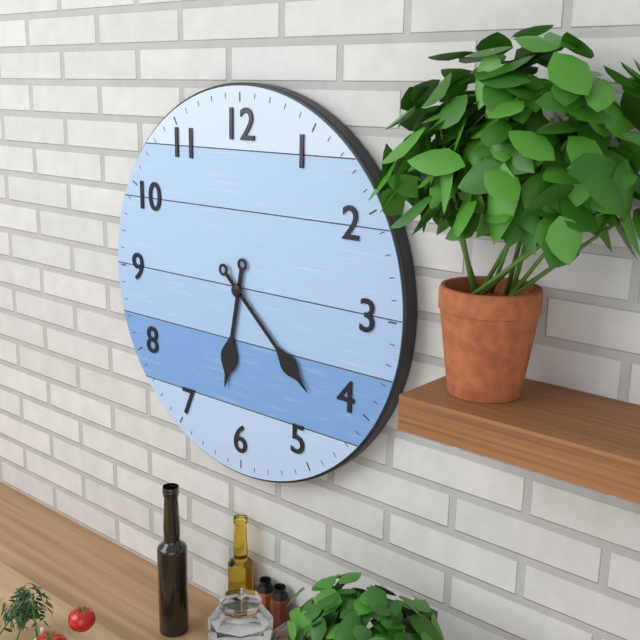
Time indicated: 6:22
